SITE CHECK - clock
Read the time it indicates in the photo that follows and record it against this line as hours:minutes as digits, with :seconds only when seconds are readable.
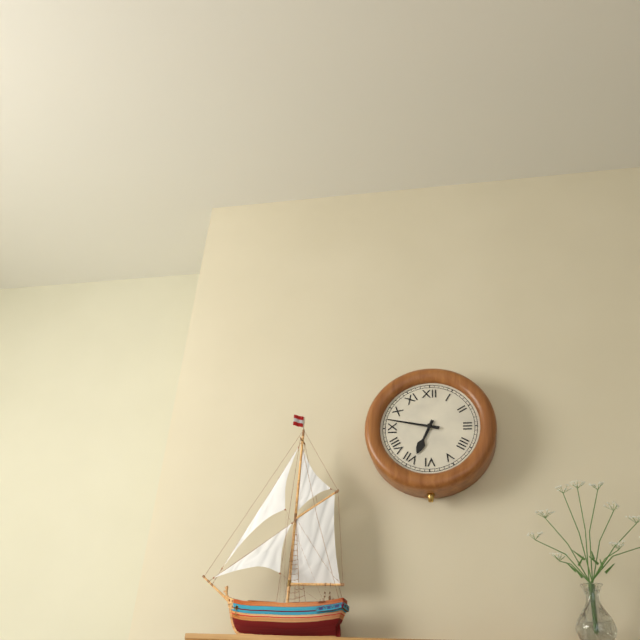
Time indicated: 6:47
